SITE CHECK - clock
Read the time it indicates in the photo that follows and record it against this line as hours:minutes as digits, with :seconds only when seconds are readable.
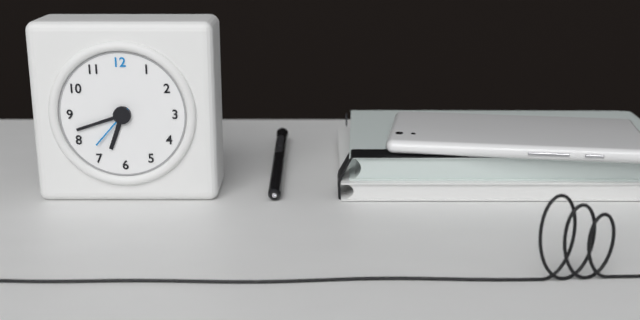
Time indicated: 6:42
